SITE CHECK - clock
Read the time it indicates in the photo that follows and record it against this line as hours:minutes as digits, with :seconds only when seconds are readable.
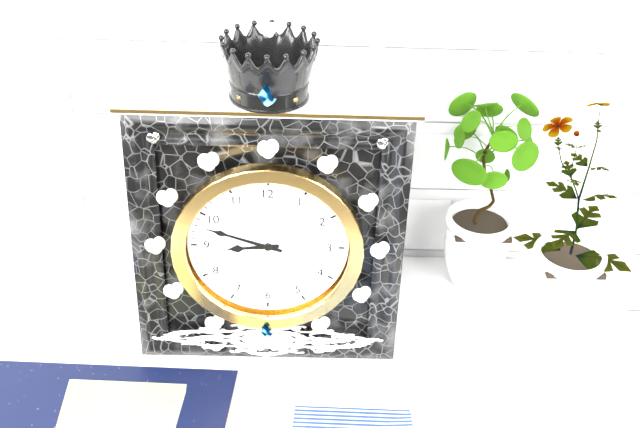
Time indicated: 8:48
